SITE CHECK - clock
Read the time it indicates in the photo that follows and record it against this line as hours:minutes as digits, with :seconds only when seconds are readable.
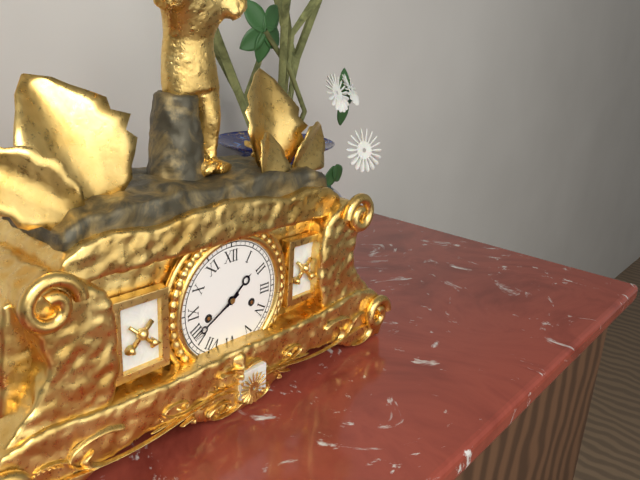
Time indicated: 1:40
